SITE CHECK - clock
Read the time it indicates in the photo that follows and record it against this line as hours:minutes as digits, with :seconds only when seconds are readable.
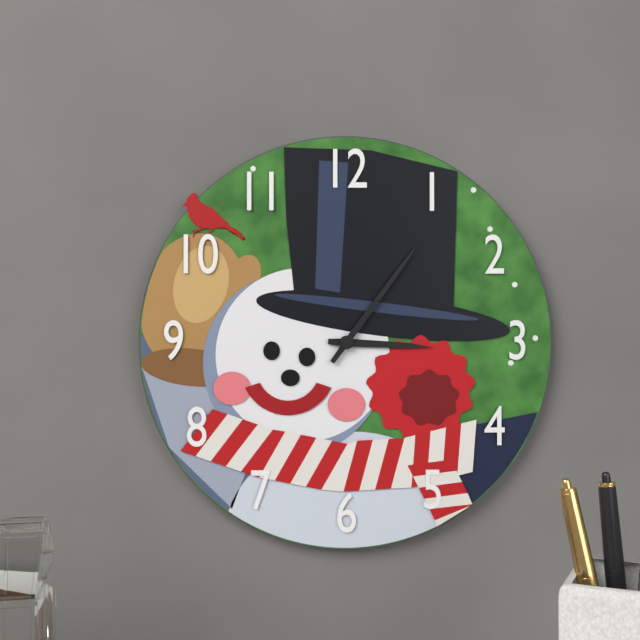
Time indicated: 3:06
